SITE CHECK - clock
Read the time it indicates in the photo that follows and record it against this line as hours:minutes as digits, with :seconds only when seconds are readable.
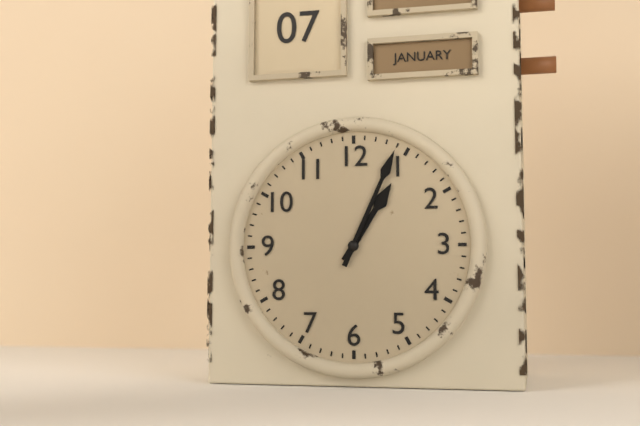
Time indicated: 1:04
